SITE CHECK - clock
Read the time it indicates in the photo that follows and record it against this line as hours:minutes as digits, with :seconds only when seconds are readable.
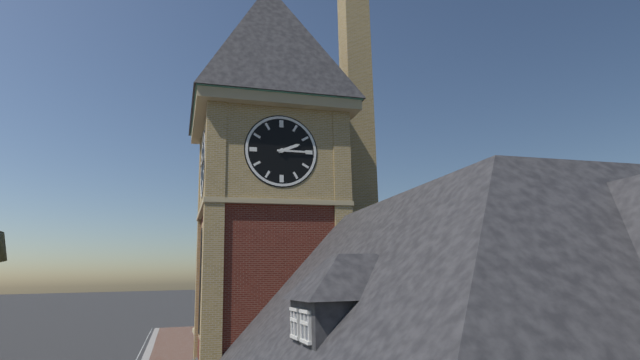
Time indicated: 2:15
